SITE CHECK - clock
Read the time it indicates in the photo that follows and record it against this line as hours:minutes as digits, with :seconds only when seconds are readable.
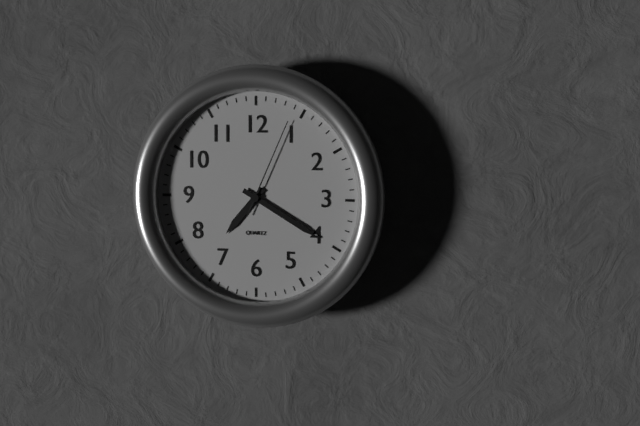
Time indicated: 7:20:04
